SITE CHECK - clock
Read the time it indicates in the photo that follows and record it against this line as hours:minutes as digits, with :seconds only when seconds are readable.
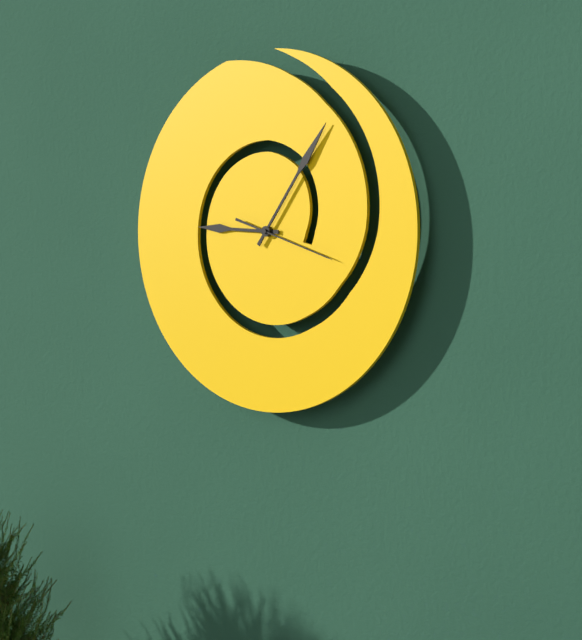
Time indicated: 9:06:18
